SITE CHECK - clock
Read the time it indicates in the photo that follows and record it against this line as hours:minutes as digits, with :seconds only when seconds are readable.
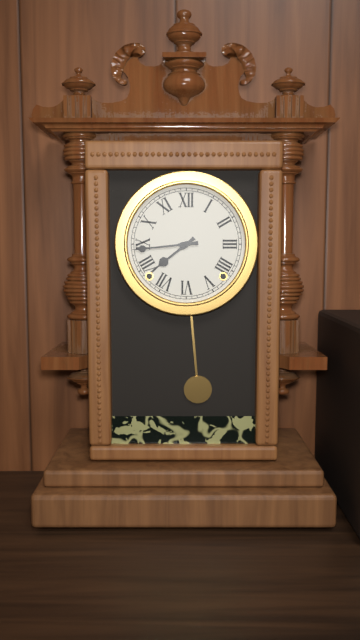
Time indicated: 7:44
